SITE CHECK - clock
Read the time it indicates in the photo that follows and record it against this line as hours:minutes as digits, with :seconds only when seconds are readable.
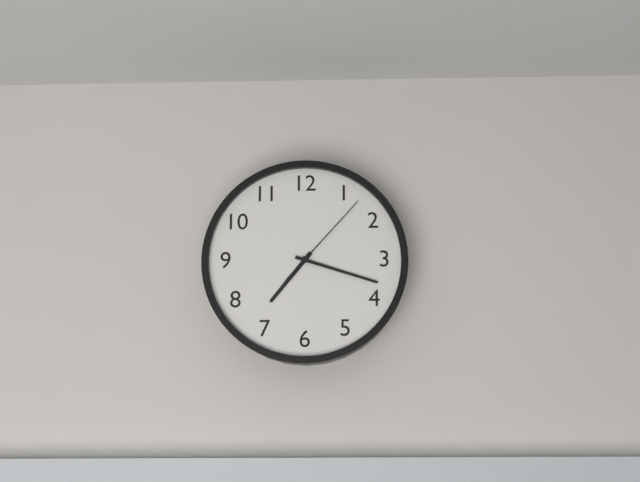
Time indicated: 7:18:07
